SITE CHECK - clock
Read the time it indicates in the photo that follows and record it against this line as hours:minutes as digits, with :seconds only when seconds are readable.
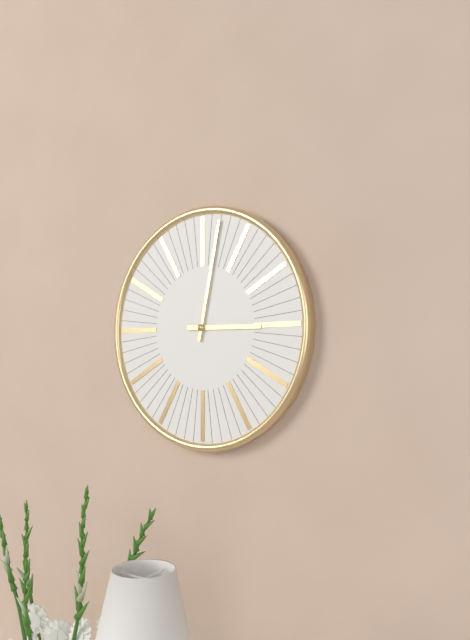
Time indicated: 3:02
